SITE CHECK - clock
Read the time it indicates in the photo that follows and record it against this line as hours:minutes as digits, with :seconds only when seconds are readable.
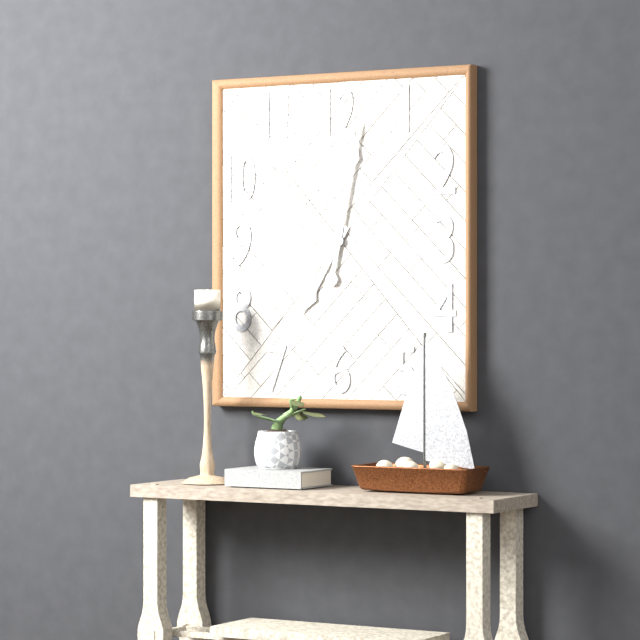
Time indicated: 7:02
